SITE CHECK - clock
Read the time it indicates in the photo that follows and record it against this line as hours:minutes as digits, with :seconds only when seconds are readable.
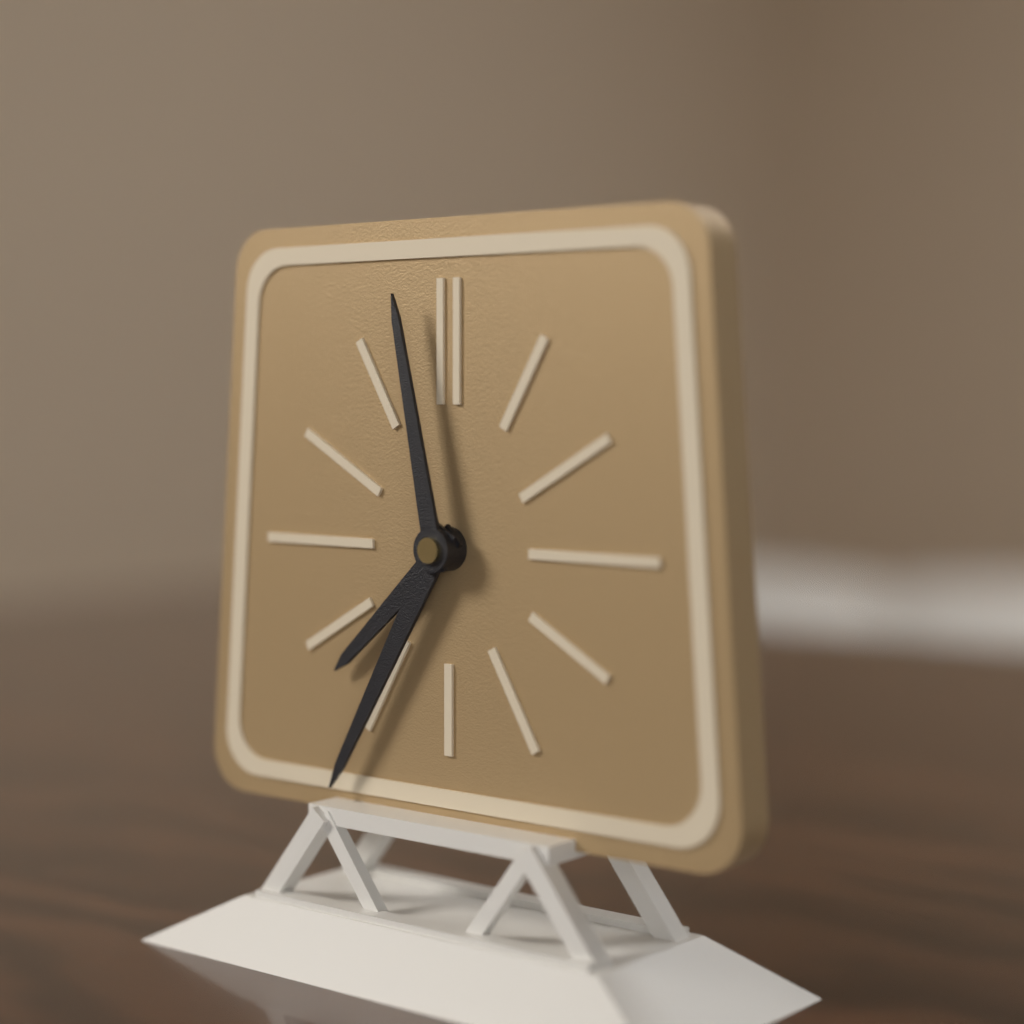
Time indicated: 7:35:58
